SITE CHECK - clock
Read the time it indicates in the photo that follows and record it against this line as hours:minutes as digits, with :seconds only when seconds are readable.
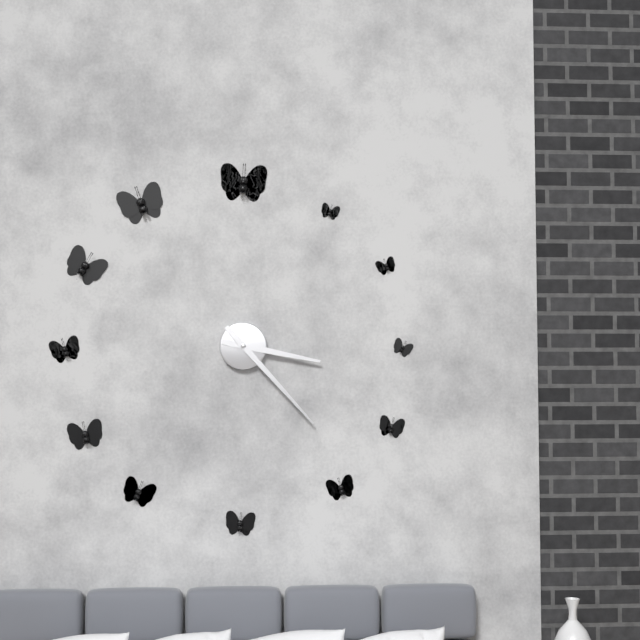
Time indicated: 3:23
